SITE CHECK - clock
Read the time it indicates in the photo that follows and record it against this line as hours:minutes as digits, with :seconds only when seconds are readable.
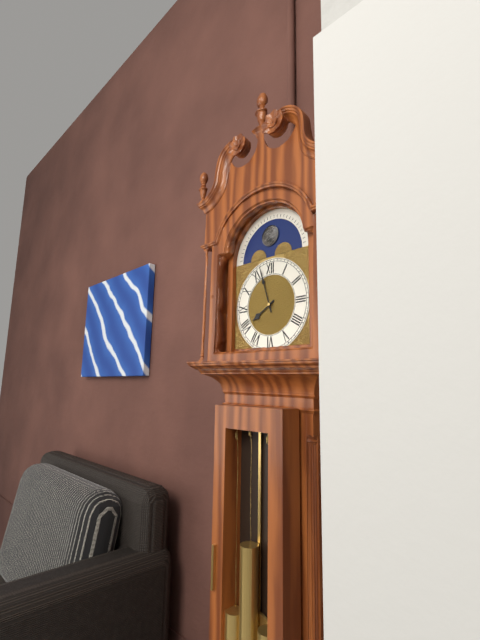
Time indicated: 7:57
